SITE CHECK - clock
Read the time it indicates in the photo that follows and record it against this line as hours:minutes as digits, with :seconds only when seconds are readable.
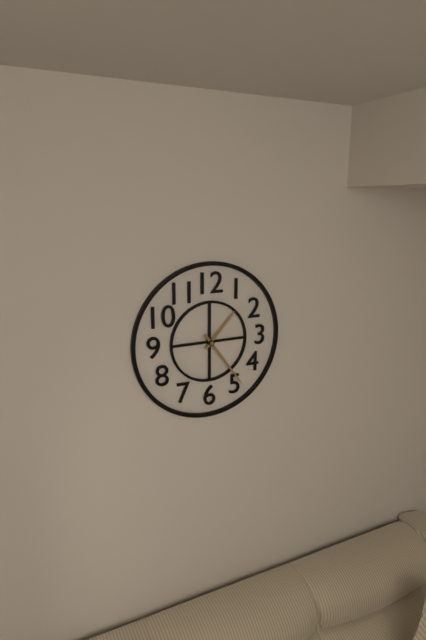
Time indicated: 1:24
